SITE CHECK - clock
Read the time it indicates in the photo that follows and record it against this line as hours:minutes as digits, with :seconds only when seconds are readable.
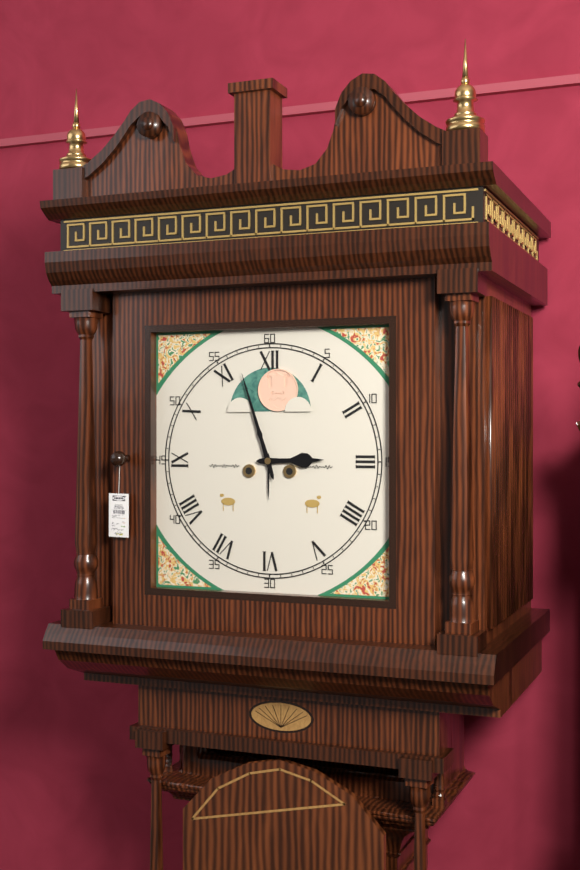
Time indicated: 2:57
